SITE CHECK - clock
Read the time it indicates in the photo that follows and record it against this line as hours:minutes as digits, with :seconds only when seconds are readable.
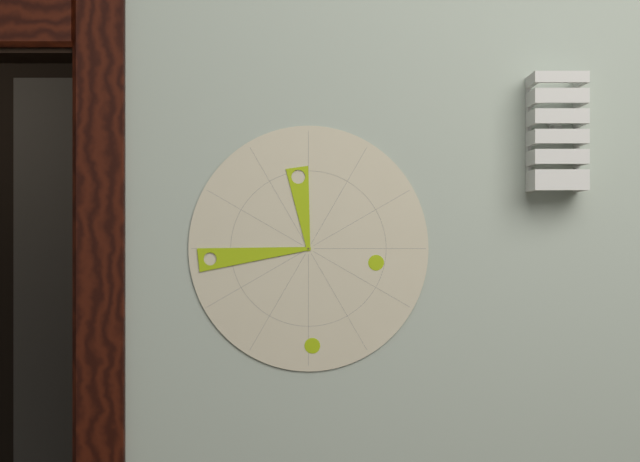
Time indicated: 11:44
